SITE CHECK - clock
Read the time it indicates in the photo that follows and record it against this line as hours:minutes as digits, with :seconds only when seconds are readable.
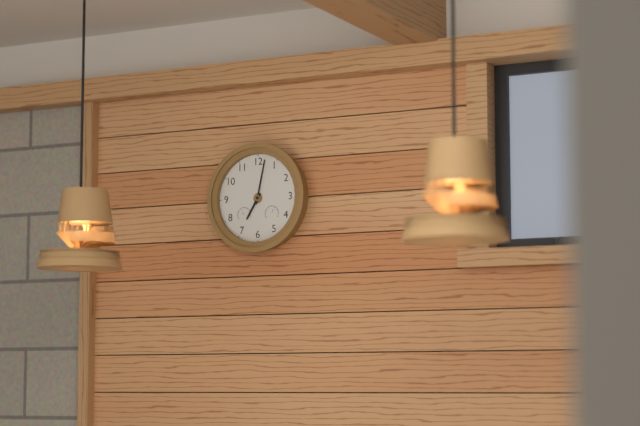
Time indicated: 7:02
